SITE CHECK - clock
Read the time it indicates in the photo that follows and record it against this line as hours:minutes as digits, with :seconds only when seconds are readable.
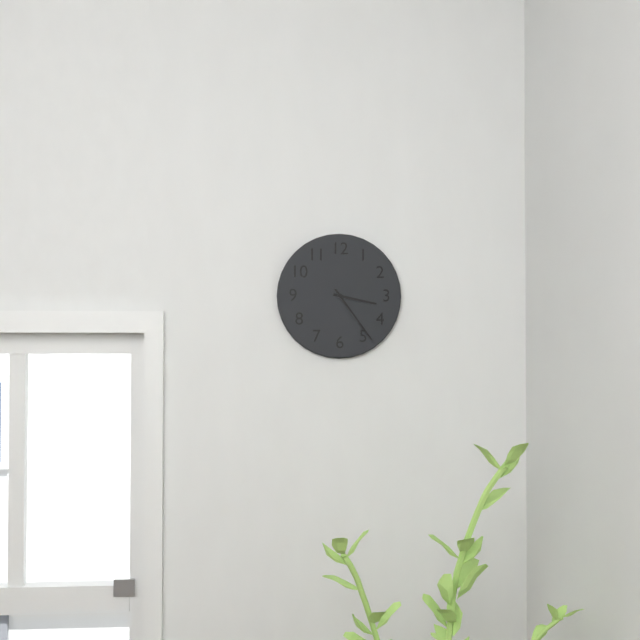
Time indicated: 3:24
